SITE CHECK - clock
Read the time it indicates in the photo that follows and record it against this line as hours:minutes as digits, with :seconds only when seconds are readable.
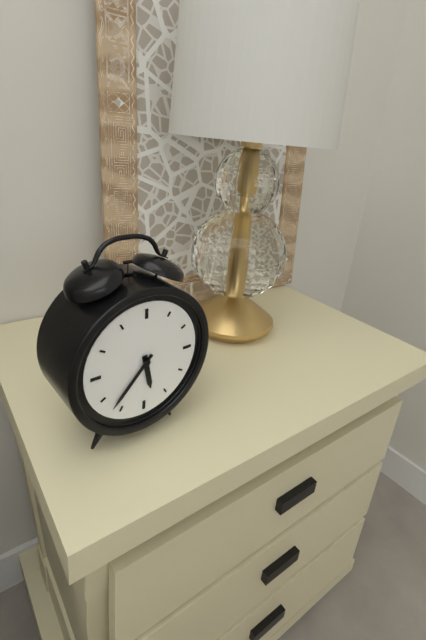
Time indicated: 5:37
